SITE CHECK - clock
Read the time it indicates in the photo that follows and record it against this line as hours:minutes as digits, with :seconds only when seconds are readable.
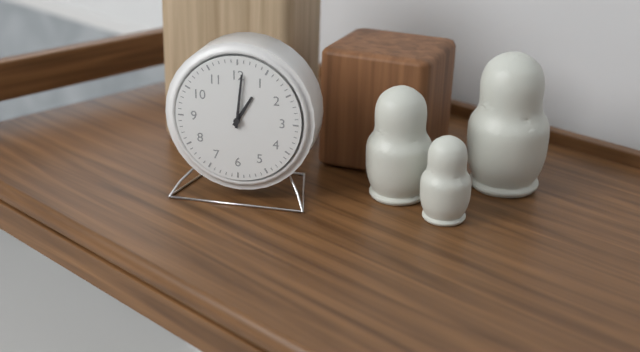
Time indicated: 1:01
